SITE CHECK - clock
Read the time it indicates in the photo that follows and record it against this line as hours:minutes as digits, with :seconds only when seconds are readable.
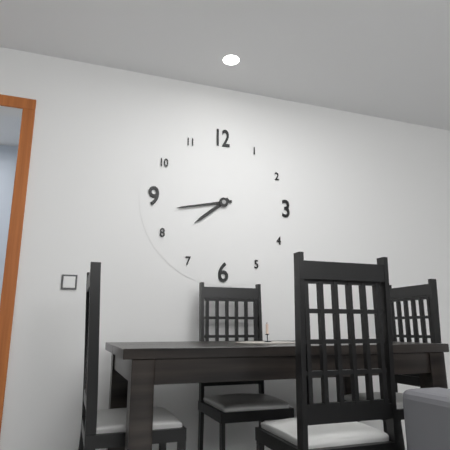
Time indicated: 7:43
